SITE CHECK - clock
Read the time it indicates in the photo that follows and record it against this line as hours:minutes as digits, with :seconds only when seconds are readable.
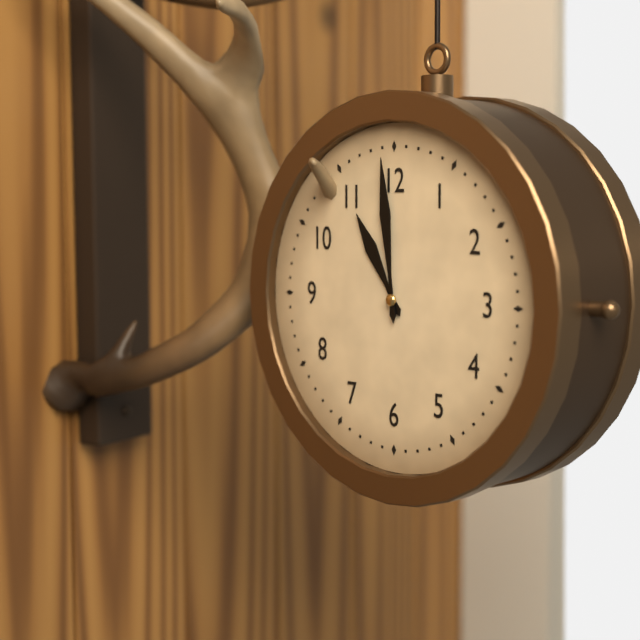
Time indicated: 10:59
